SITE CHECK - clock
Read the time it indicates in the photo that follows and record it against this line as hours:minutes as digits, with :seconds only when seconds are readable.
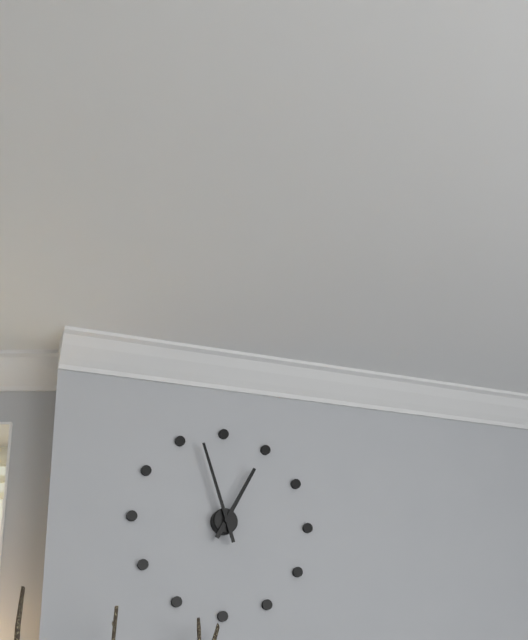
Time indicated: 12:57
